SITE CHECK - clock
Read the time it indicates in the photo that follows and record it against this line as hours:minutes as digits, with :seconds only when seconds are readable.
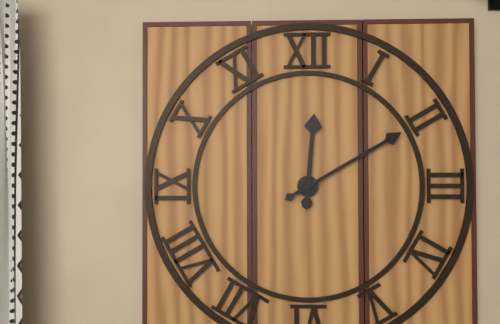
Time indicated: 12:10
